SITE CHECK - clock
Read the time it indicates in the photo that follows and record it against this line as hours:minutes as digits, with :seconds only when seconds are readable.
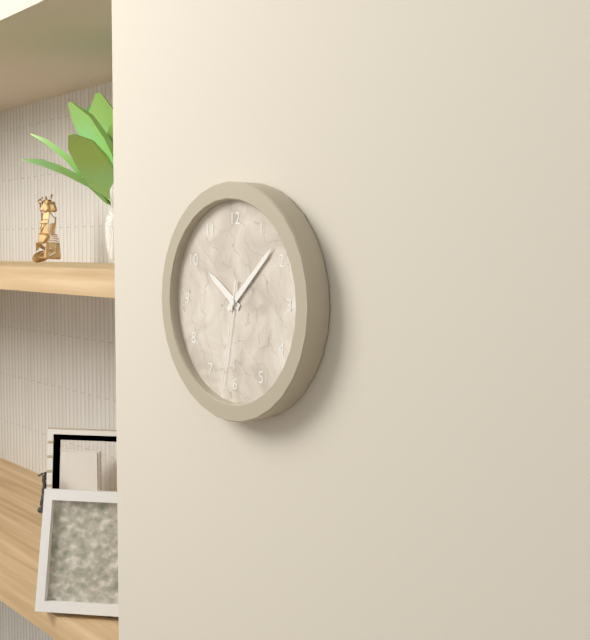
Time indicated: 10:08:32
